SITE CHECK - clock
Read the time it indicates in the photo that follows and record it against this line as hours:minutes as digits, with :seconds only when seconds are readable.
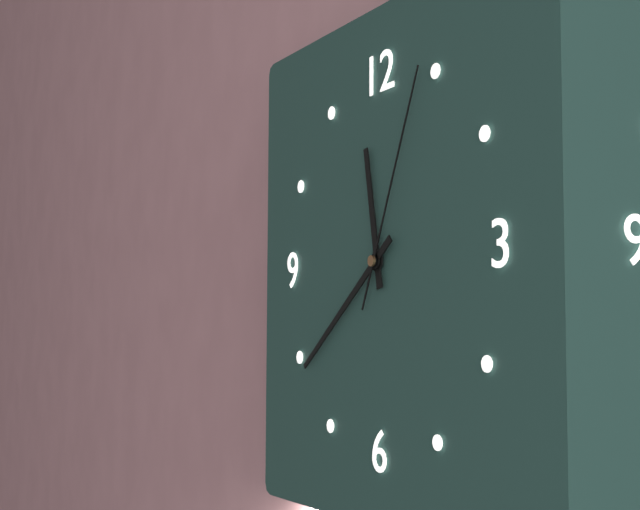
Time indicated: 11:39:04
